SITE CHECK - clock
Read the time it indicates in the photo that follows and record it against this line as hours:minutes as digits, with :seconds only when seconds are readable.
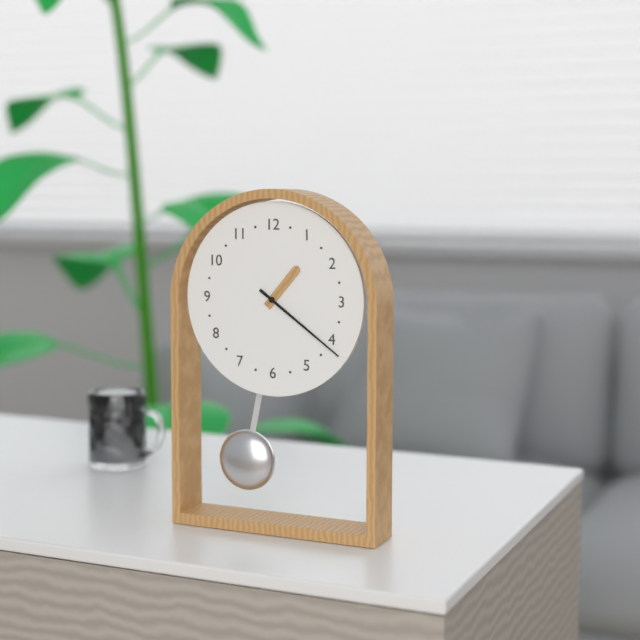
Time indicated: 1:21
